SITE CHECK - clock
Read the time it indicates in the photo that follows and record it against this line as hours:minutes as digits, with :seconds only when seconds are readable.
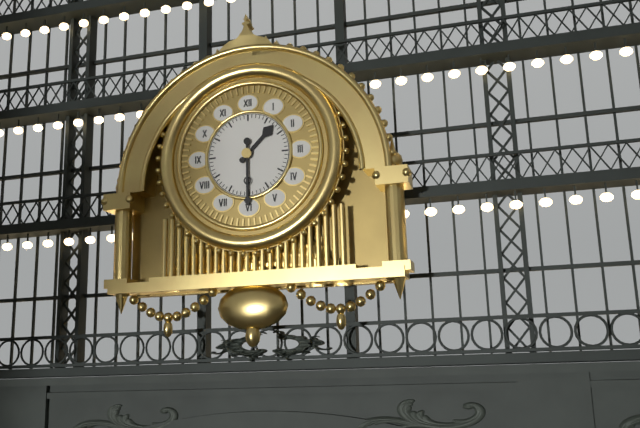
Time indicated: 1:30
